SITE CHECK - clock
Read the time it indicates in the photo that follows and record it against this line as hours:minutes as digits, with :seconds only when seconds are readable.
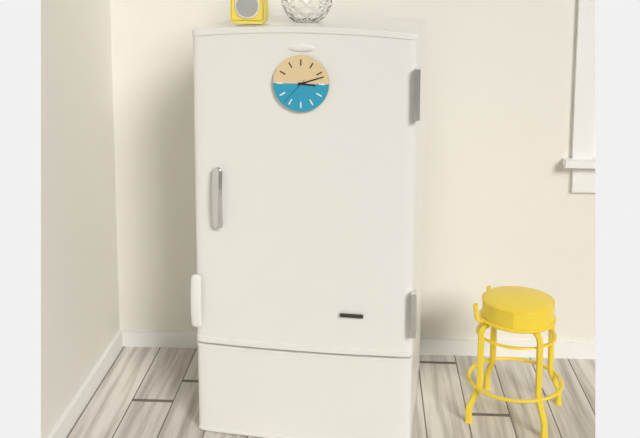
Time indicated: 3:12
